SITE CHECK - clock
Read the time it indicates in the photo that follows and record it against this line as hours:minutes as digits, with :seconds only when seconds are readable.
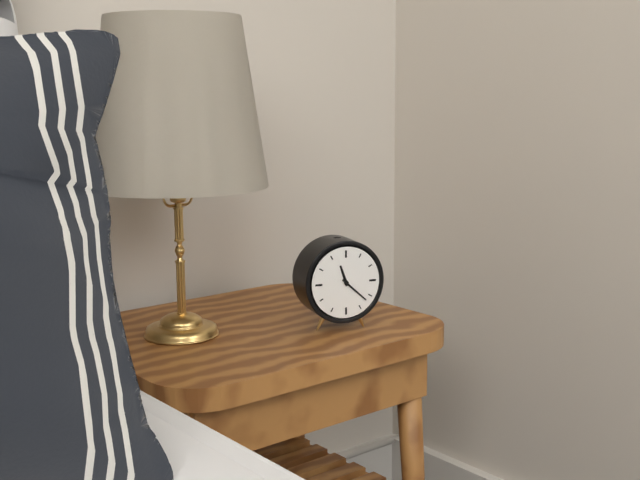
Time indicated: 11:22
